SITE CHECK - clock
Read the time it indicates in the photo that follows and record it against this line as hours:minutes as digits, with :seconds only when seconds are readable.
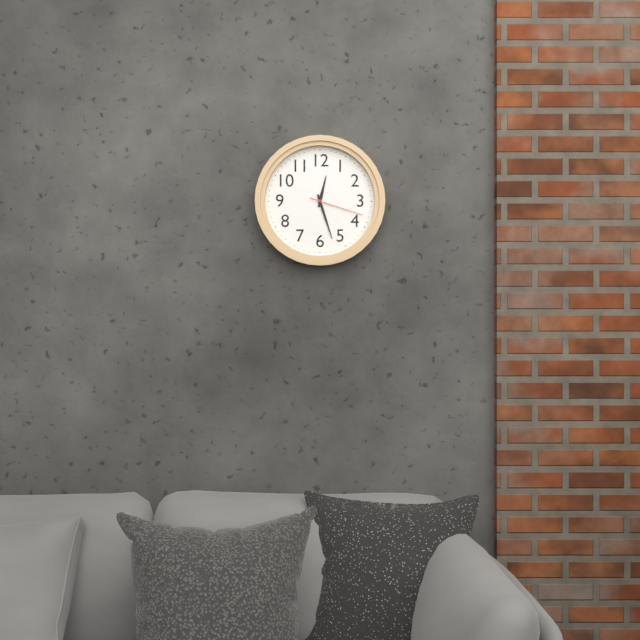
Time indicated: 12:27:18
